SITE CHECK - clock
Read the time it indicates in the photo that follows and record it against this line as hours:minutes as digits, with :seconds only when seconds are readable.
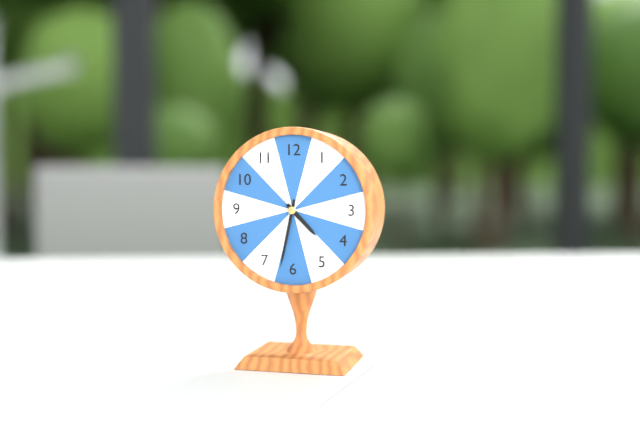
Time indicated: 4:32
